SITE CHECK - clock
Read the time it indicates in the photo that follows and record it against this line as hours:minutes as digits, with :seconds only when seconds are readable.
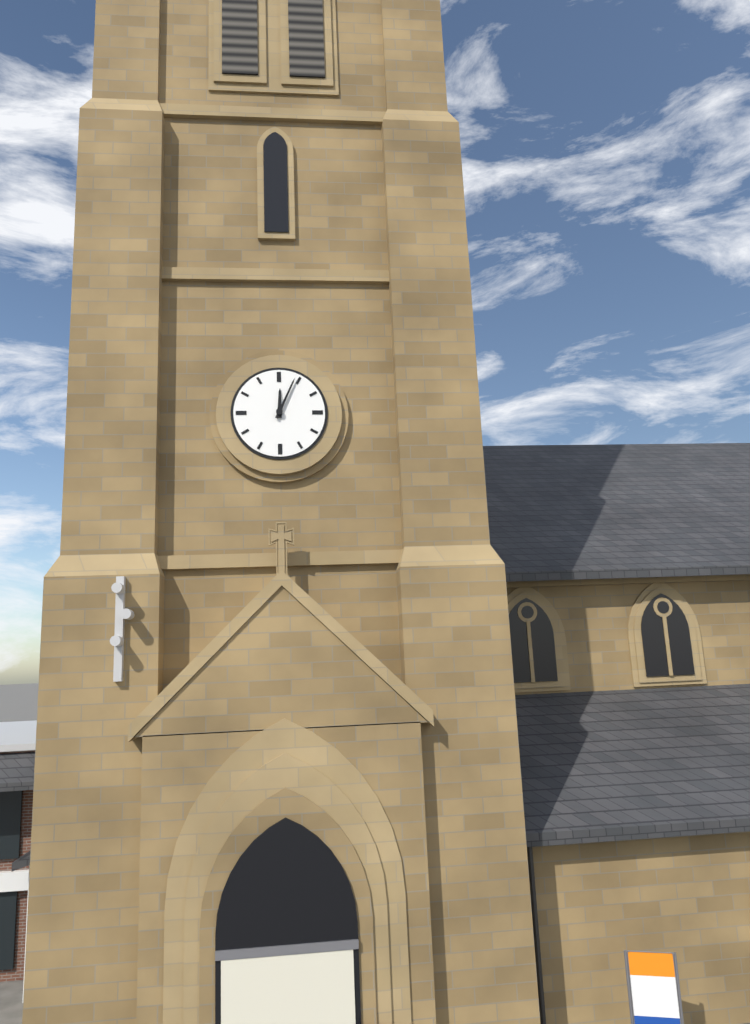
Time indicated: 12:04
